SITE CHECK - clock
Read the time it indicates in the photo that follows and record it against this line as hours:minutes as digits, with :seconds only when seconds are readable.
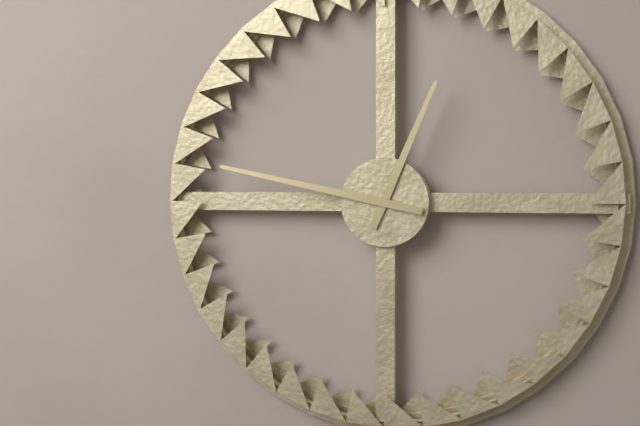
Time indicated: 12:47
